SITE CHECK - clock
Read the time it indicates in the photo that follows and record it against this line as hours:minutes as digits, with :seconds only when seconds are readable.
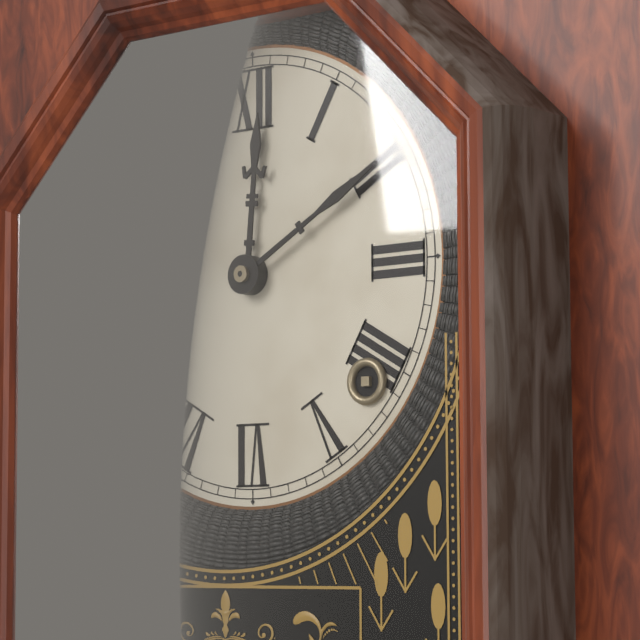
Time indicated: 12:10
